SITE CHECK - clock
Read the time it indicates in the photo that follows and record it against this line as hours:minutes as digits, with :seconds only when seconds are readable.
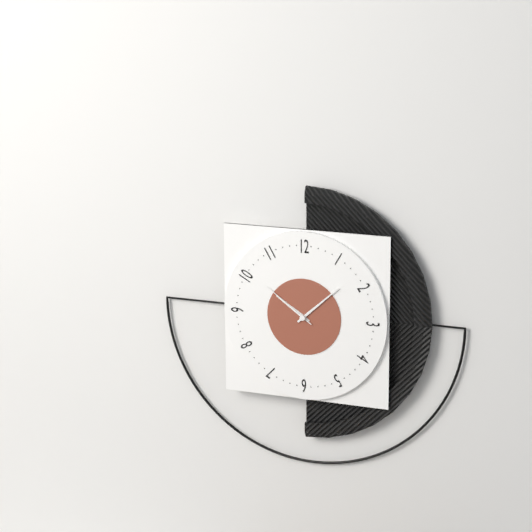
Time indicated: 10:08:51
